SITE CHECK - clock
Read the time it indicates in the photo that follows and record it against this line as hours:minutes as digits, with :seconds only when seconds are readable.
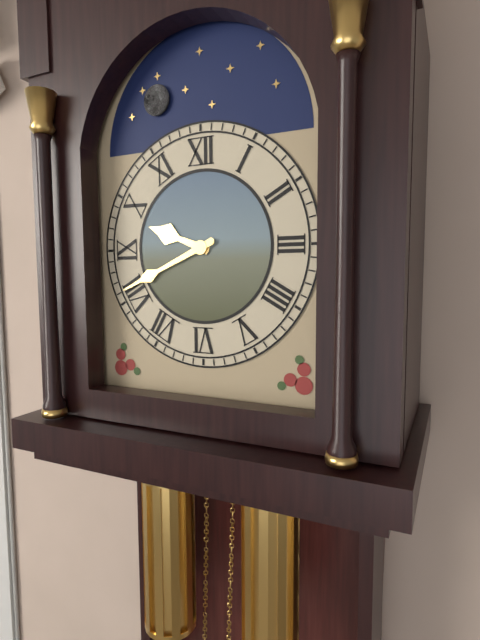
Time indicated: 9:41
